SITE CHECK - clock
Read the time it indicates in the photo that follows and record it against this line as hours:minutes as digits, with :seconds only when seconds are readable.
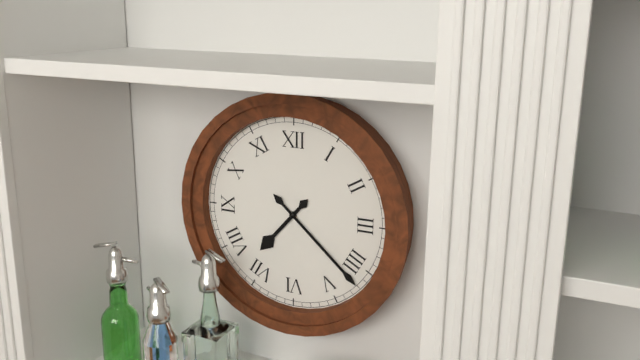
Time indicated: 7:22
